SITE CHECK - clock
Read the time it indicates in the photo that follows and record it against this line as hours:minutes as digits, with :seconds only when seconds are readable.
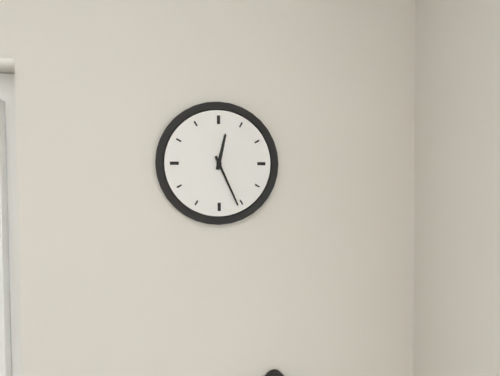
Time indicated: 12:26
